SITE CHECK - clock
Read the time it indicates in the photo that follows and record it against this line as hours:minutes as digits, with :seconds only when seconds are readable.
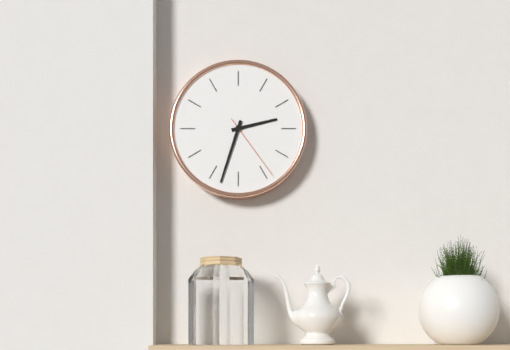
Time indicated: 2:33:24
